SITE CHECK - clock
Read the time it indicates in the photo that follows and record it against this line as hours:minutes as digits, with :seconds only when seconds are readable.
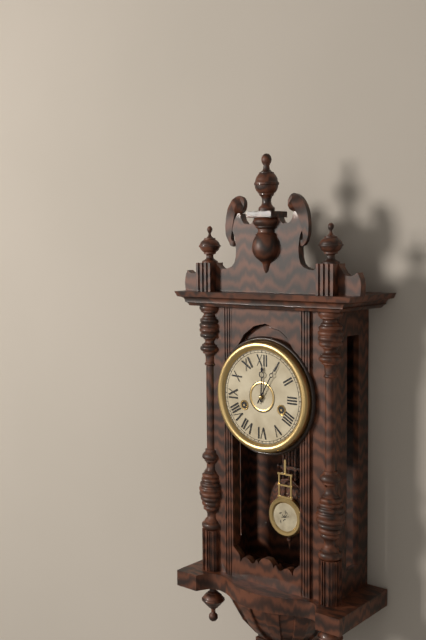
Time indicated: 12:05
